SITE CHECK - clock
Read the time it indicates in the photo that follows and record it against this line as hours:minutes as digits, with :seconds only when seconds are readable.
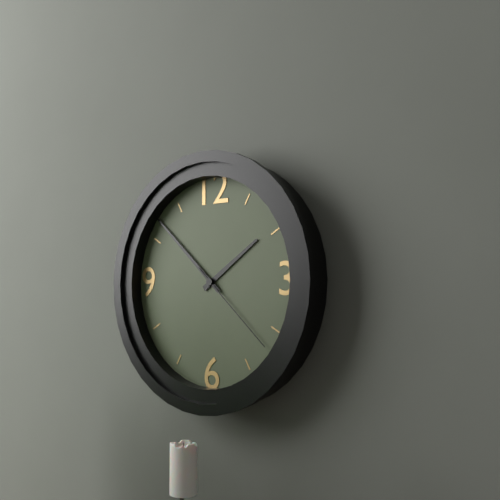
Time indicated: 1:52:22
